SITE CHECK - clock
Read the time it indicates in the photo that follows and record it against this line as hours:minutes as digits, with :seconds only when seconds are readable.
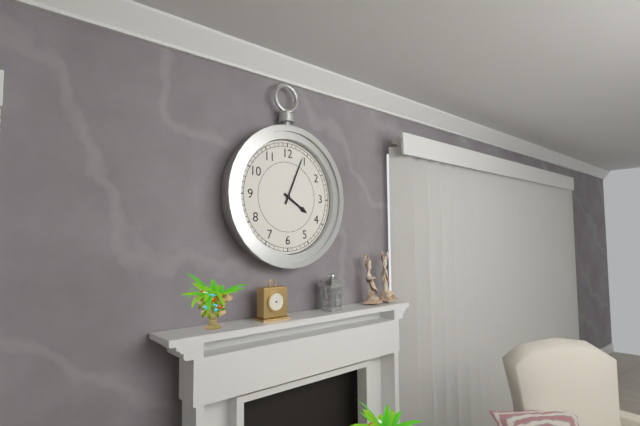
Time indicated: 4:04
